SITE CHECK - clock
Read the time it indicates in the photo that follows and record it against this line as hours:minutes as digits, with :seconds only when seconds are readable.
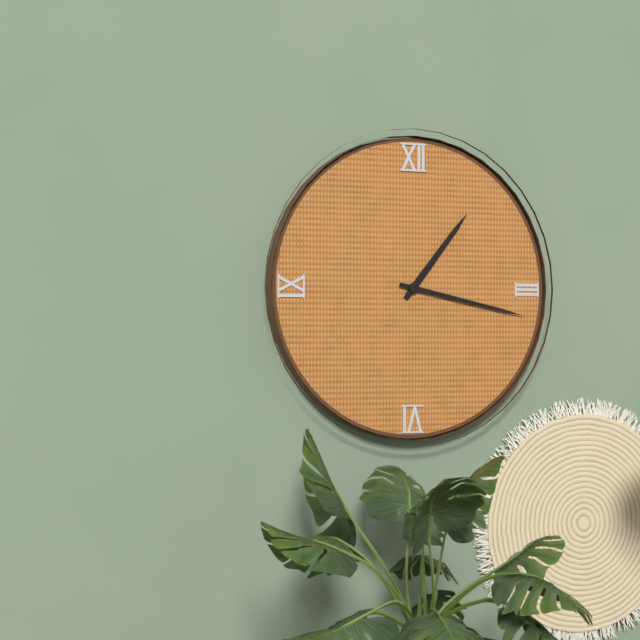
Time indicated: 1:17
